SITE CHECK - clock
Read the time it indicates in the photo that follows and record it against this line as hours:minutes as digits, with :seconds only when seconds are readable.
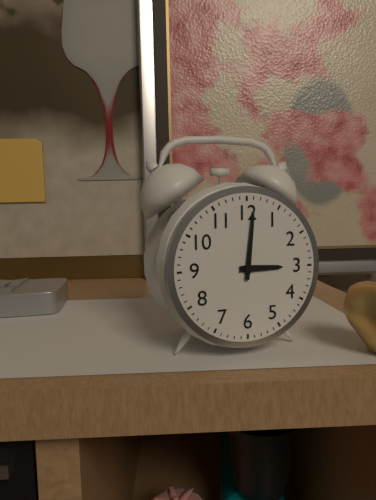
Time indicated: 3:01
